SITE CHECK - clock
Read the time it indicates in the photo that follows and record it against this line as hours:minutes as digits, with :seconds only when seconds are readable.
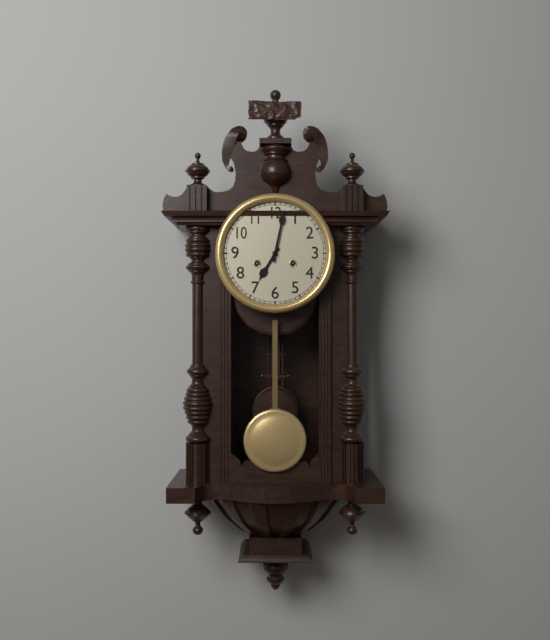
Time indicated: 7:02
